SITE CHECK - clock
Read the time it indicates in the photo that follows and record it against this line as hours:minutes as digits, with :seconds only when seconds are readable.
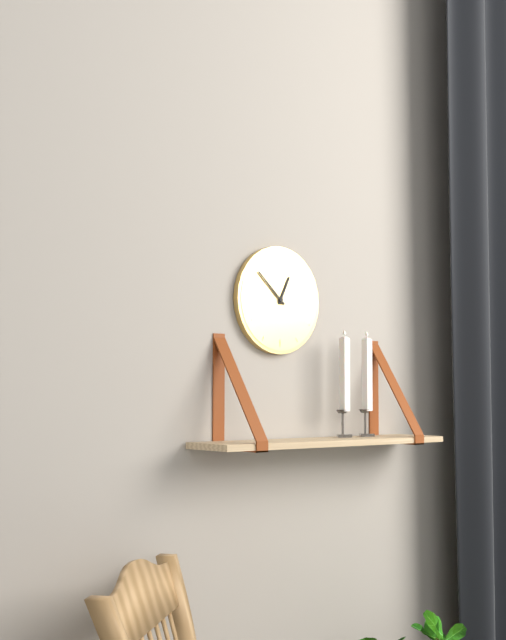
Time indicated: 12:52
